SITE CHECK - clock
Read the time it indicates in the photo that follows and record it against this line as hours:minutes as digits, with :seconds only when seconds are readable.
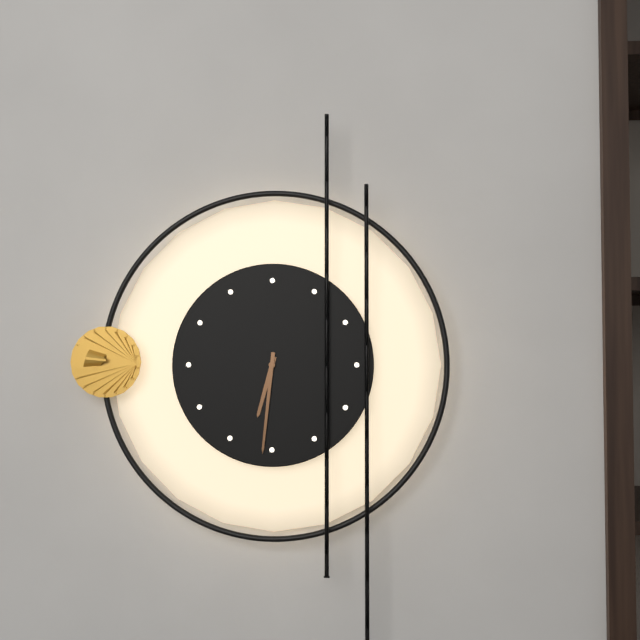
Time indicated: 6:31
